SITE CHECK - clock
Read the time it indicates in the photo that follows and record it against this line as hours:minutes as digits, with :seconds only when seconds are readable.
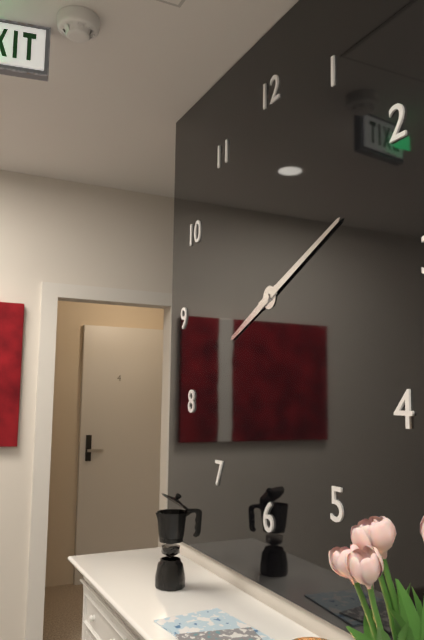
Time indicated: 8:11
